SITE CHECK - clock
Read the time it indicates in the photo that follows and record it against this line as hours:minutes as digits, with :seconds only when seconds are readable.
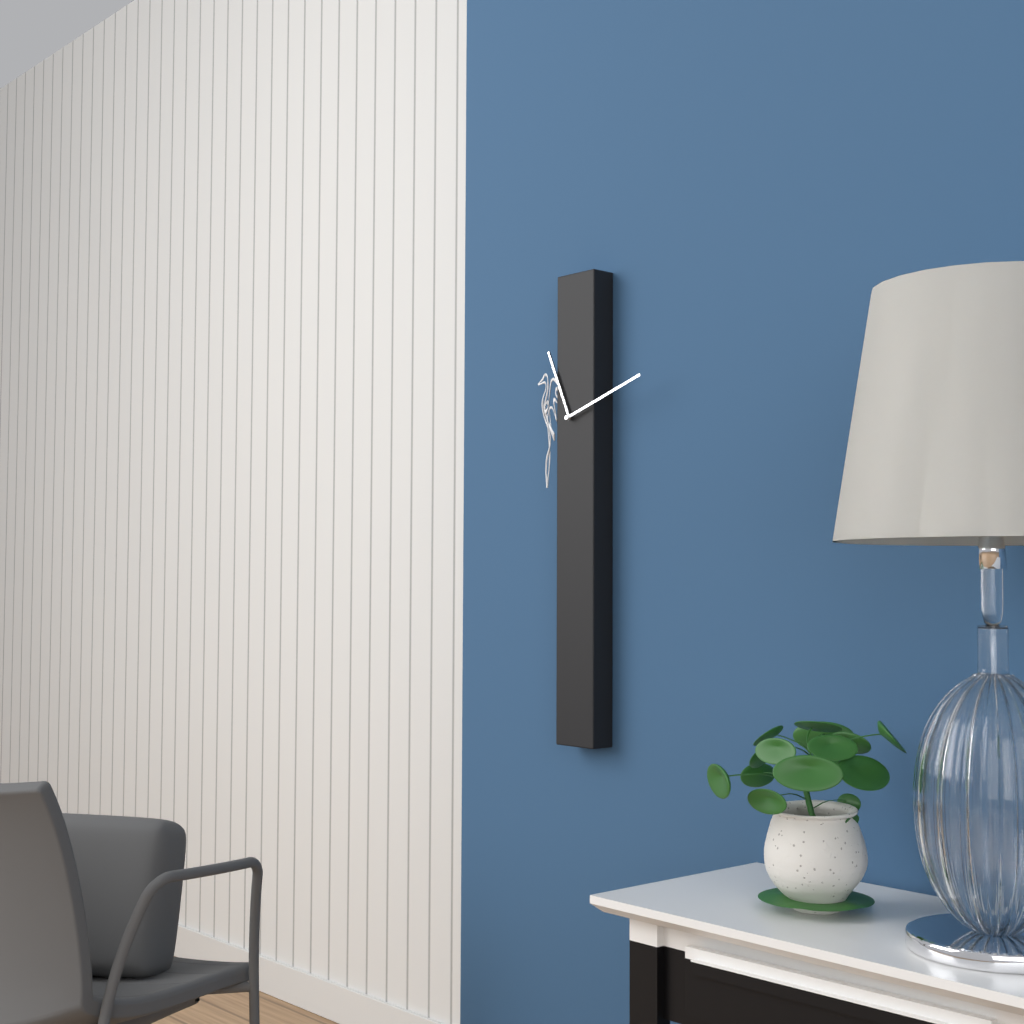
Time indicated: 11:12
